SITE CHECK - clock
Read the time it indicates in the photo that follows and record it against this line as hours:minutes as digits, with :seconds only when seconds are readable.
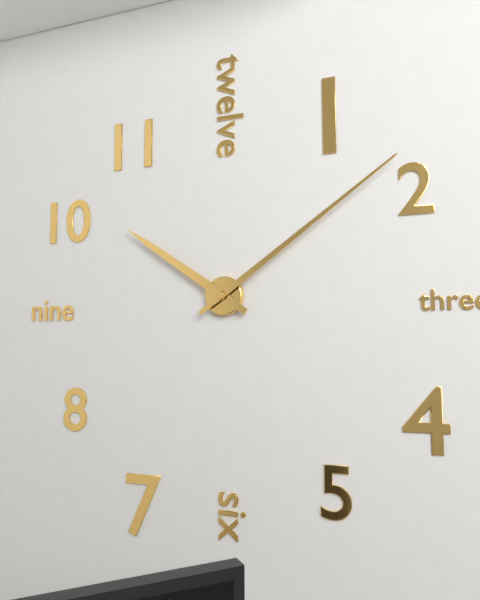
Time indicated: 10:09
